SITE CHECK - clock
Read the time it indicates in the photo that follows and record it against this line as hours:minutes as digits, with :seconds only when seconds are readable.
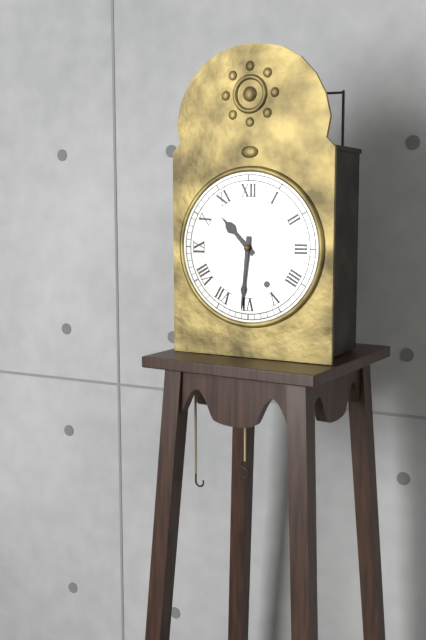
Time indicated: 10:31
